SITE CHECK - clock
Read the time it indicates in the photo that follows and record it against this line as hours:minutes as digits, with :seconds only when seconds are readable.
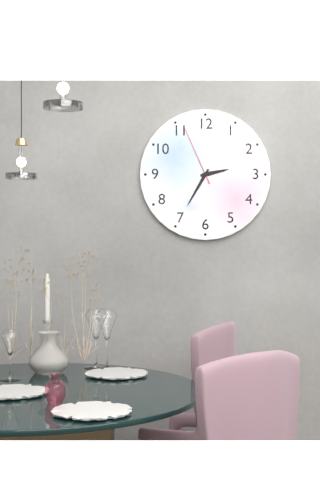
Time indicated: 2:35:56
